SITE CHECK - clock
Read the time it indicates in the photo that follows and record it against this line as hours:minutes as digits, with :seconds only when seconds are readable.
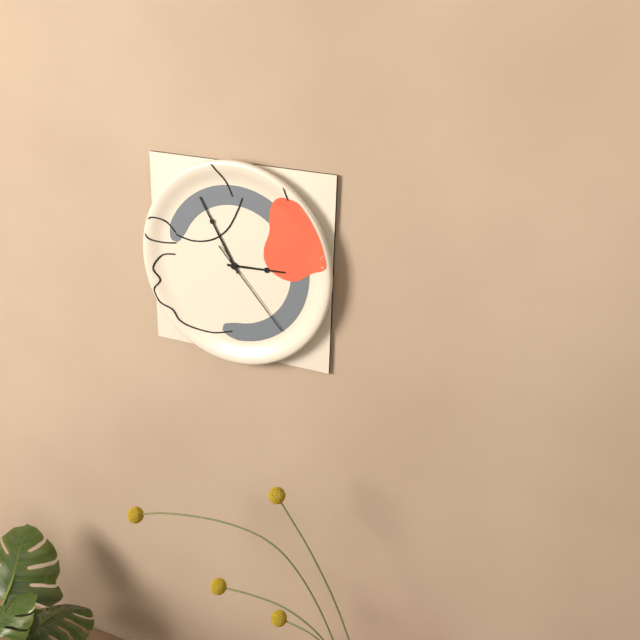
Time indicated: 2:55:23
